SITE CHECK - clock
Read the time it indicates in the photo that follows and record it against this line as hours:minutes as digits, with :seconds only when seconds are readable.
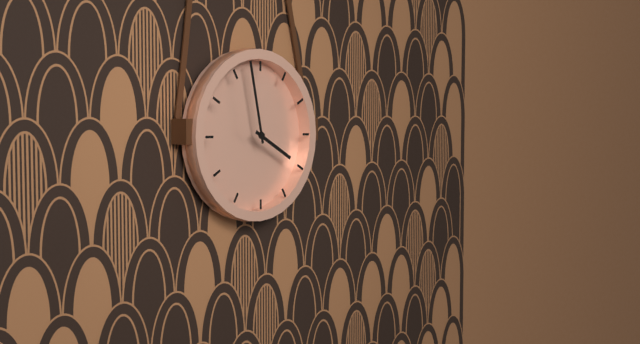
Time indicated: 3:58
